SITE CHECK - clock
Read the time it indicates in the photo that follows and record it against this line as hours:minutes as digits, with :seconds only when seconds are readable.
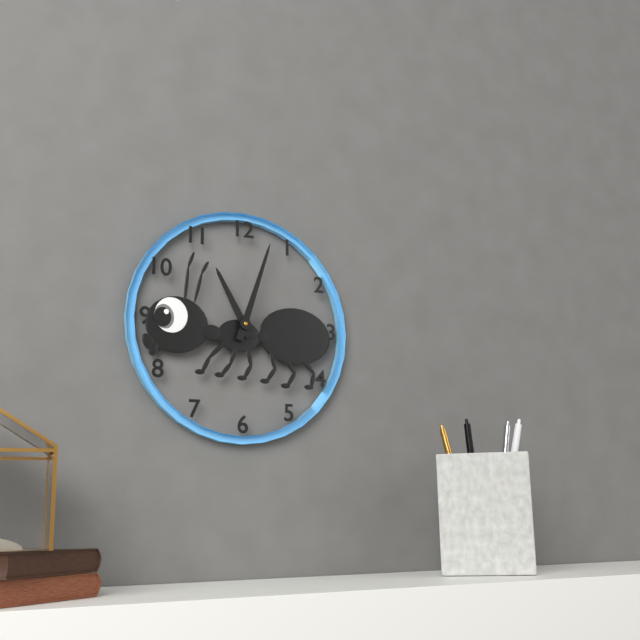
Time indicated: 11:03
